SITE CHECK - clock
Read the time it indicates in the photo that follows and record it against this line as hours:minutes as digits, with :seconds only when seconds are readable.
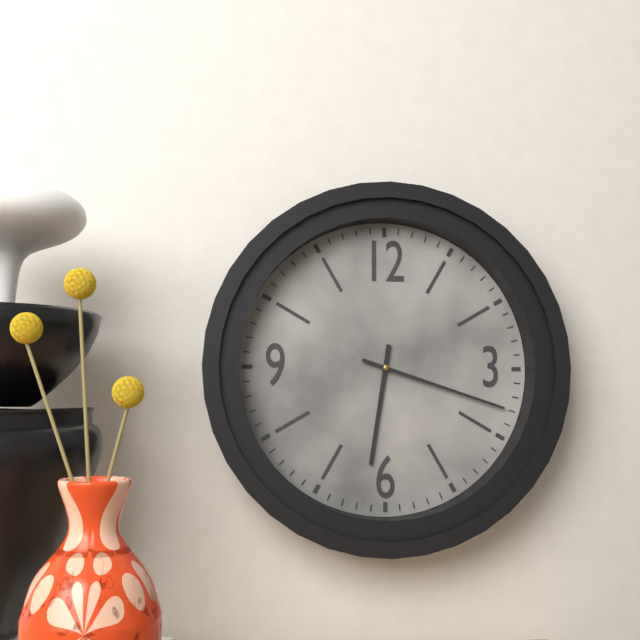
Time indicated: 6:18
